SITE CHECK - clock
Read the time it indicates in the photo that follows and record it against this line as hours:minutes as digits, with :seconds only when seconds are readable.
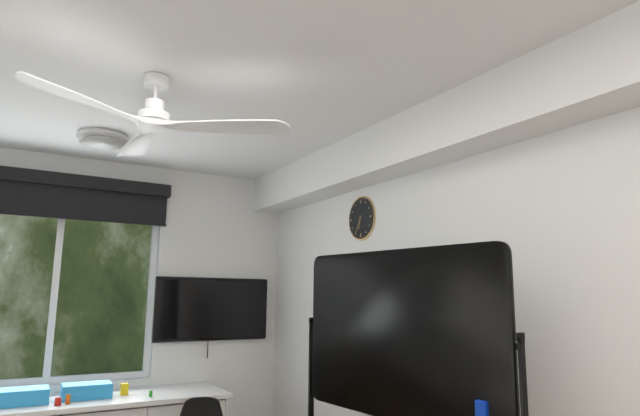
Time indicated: 6:35
